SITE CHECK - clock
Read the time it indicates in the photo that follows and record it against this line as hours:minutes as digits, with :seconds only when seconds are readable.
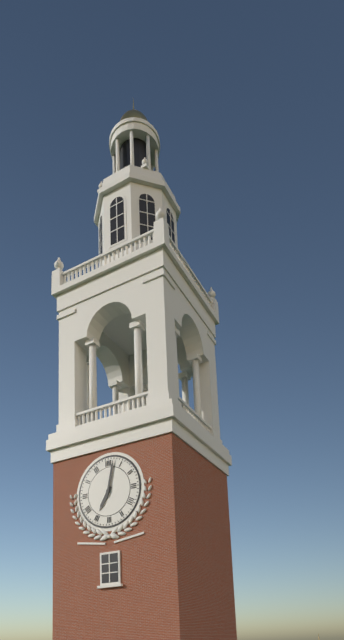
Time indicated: 7:02
